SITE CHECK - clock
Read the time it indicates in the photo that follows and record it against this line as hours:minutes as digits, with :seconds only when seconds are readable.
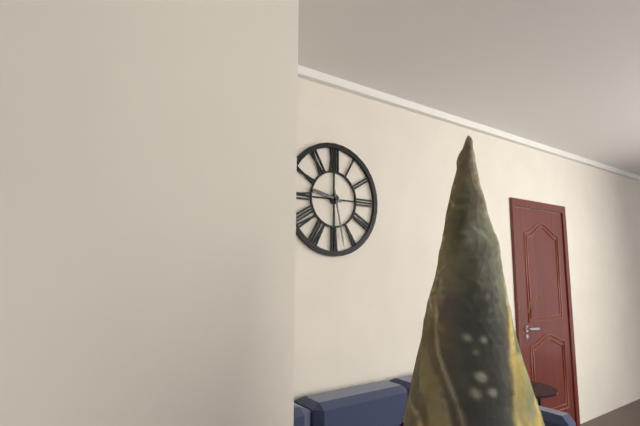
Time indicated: 9:28
